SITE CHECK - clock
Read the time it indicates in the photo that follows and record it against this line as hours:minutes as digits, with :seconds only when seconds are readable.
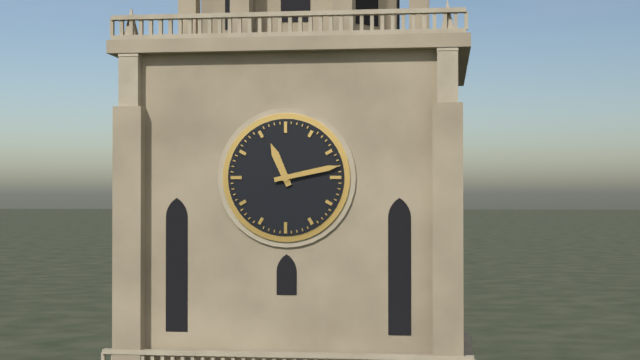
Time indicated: 11:13
